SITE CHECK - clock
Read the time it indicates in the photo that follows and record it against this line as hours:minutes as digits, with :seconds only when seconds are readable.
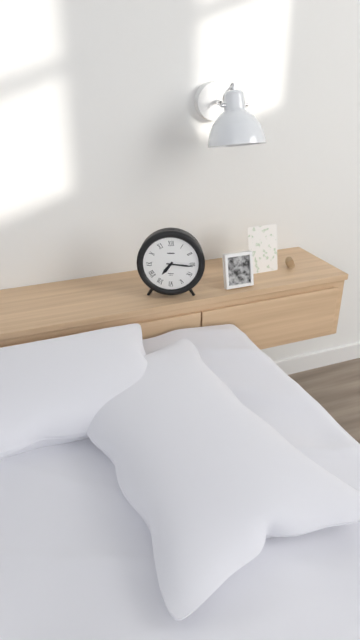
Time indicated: 7:16
